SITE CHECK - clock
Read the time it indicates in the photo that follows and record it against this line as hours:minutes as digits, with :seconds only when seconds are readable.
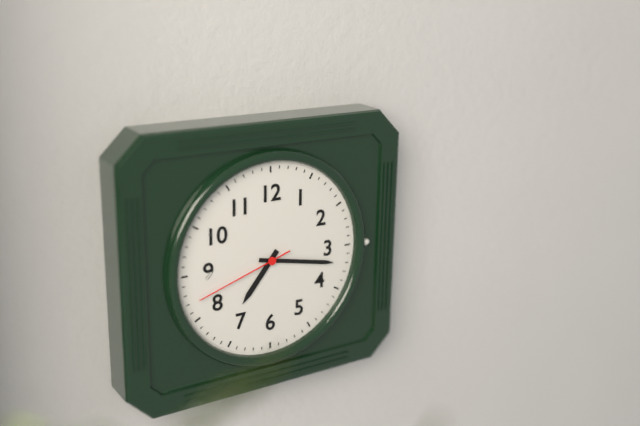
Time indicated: 7:17:42
